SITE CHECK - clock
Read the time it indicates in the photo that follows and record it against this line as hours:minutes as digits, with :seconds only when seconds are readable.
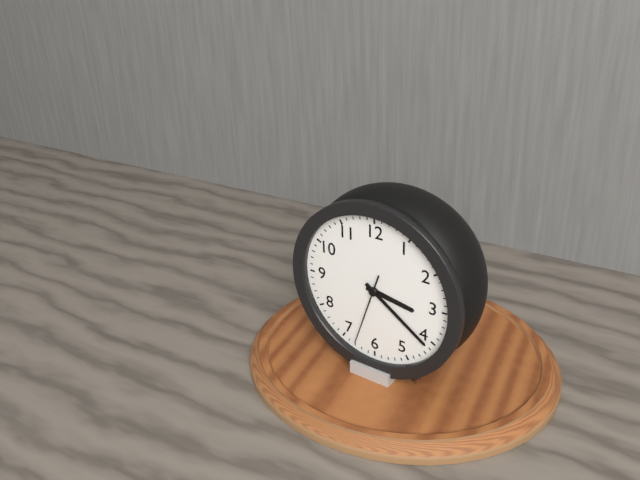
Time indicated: 3:21:33
